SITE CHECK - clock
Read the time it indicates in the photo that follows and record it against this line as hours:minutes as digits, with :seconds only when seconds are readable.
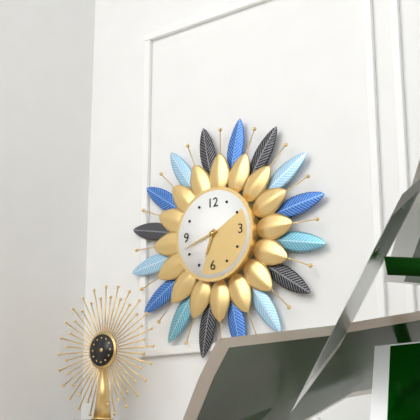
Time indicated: 6:42
